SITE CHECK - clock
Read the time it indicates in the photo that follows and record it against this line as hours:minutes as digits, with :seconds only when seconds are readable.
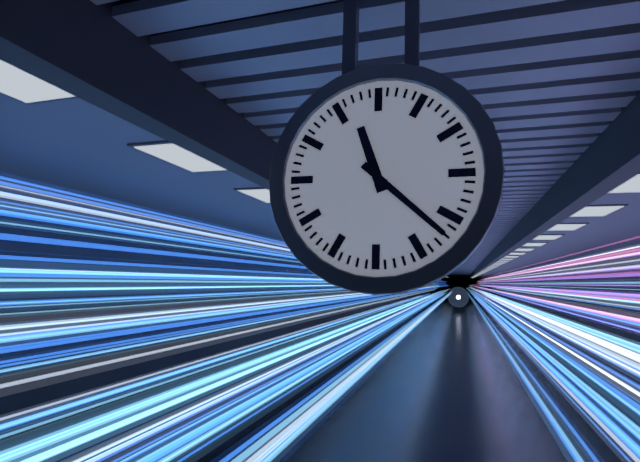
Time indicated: 11:22
